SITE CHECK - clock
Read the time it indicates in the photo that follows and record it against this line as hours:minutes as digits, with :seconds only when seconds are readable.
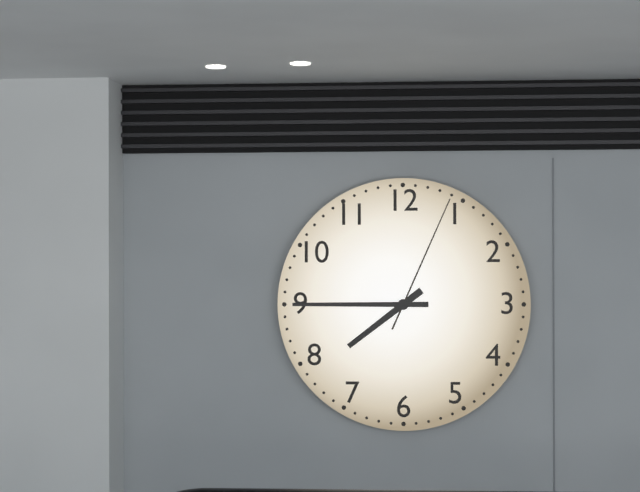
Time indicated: 7:45:04
